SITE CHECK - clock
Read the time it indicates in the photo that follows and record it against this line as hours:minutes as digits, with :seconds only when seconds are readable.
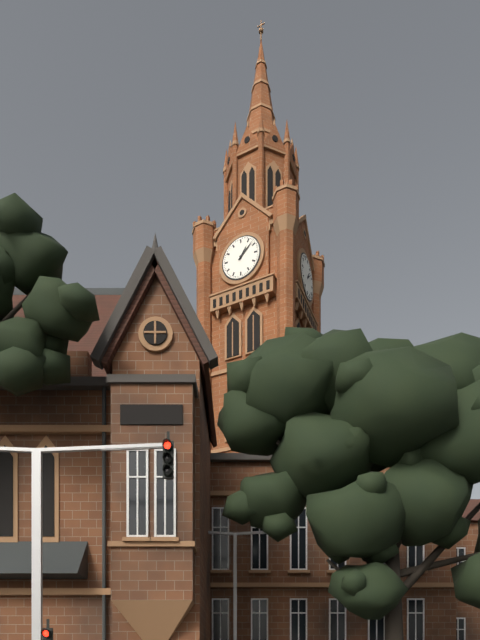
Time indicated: 1:08
